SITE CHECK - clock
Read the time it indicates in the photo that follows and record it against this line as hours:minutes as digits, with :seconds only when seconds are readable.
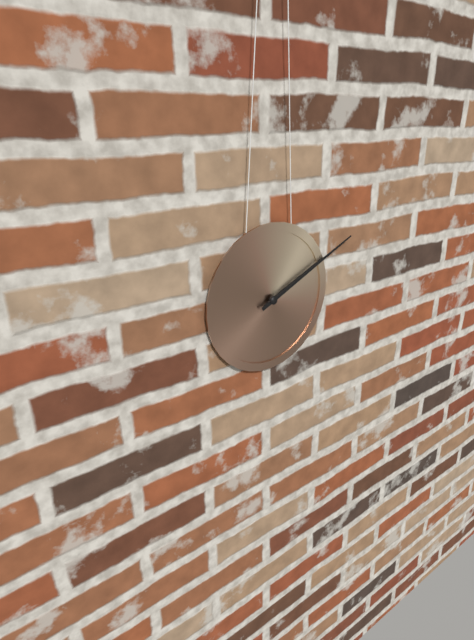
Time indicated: 2:11
